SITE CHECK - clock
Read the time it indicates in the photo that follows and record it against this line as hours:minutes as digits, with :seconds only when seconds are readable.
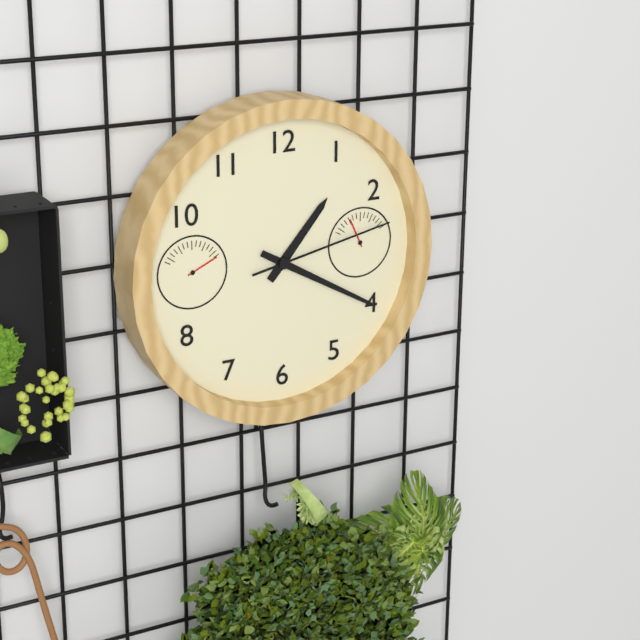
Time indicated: 1:20:13
